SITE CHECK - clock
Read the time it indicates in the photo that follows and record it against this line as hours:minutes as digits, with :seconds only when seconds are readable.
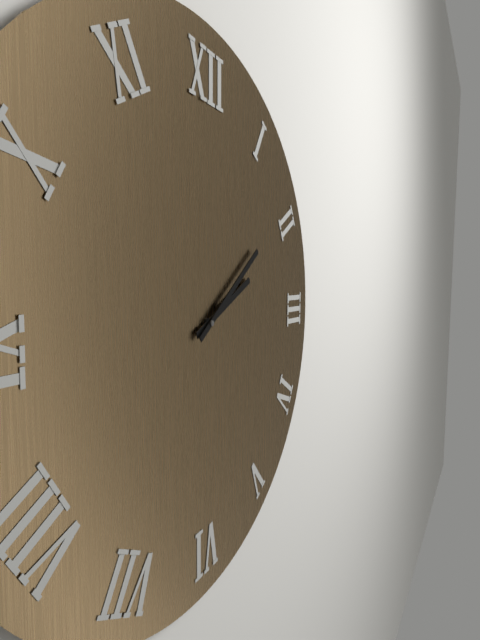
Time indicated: 2:09
